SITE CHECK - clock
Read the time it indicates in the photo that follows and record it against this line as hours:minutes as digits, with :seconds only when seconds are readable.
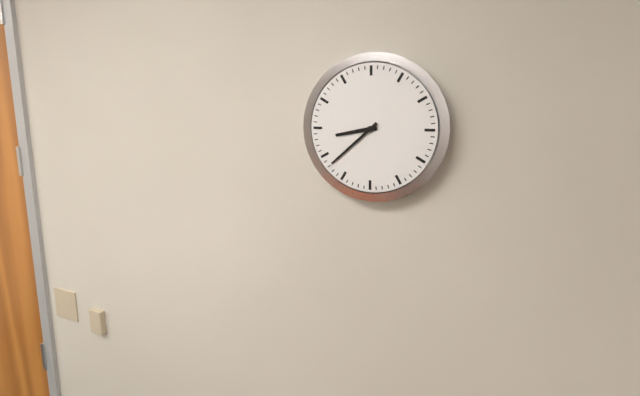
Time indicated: 8:38
